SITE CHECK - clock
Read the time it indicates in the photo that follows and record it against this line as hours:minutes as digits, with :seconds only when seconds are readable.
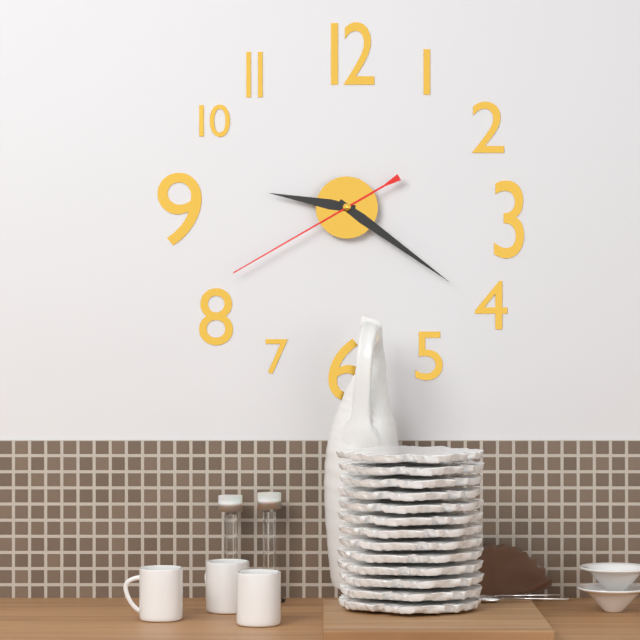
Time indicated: 9:21:40
